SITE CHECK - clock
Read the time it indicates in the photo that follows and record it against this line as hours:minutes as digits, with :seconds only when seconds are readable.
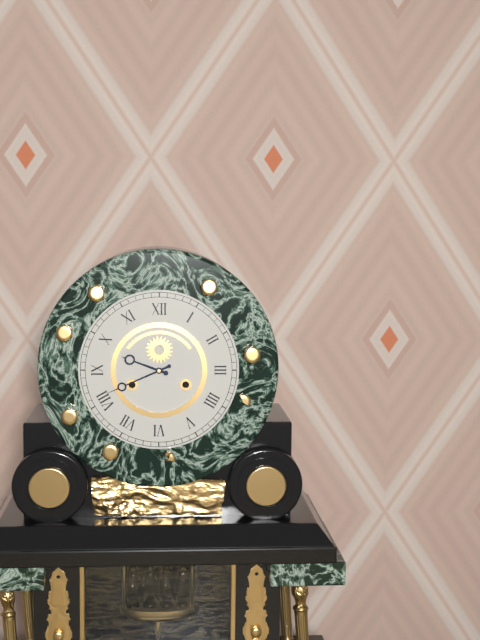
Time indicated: 9:41
